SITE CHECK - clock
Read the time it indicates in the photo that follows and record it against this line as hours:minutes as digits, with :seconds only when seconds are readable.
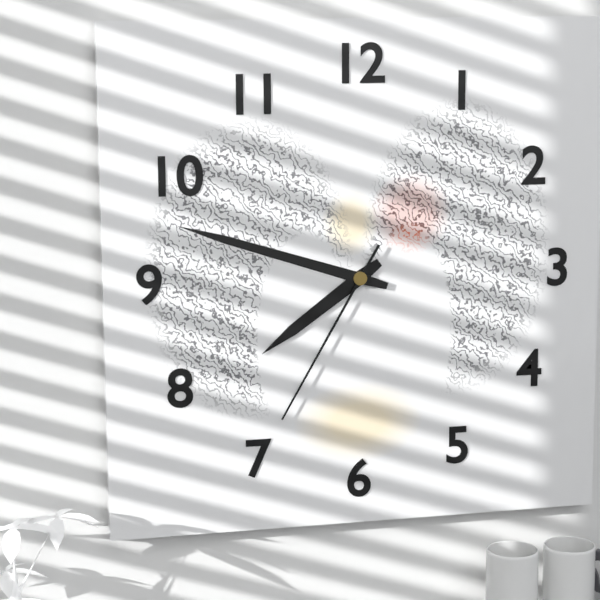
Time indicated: 7:48:35
